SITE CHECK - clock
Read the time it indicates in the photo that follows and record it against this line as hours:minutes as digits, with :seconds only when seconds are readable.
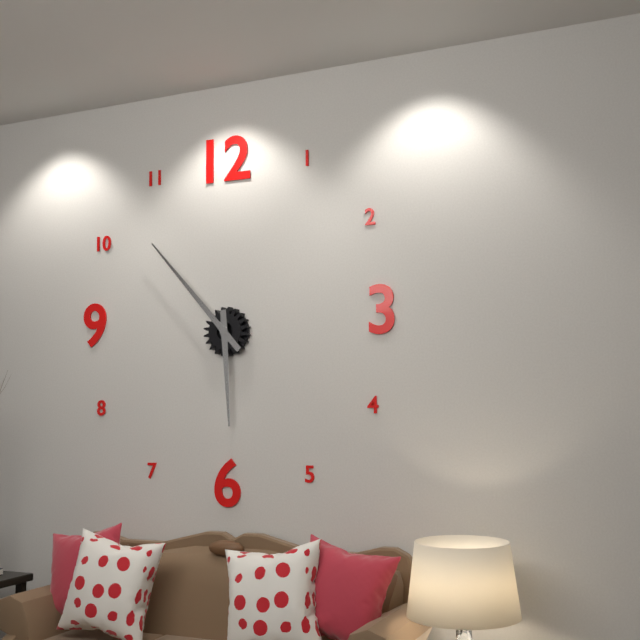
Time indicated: 5:53
